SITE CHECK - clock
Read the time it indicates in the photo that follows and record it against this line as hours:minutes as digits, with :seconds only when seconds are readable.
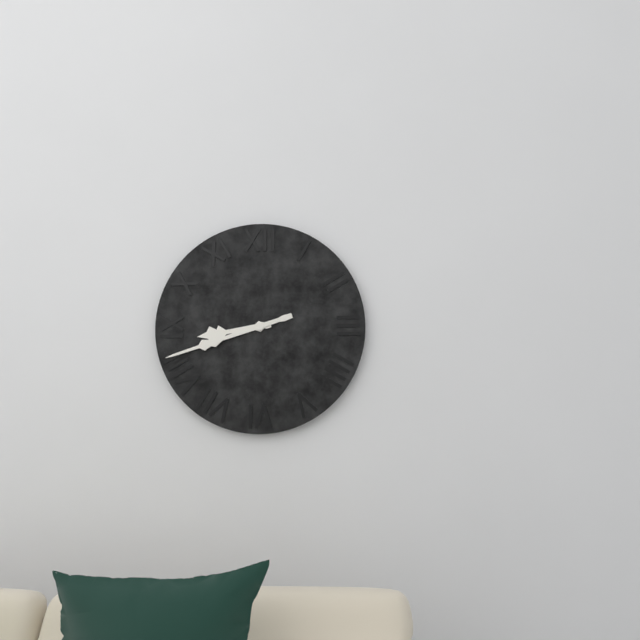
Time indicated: 8:42
